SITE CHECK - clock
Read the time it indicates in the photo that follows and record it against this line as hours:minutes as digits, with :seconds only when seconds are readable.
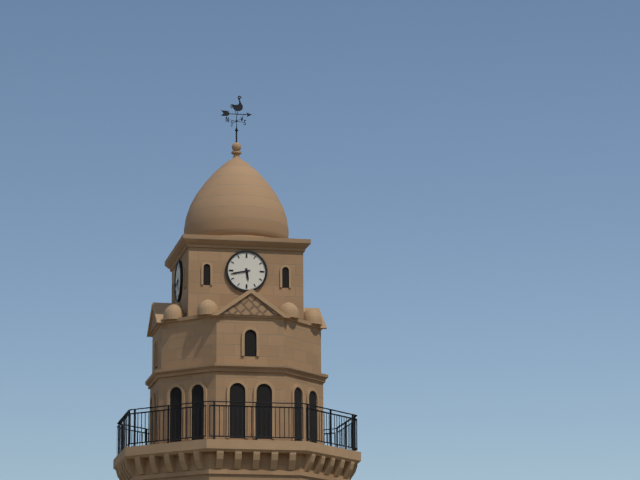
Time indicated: 5:43
